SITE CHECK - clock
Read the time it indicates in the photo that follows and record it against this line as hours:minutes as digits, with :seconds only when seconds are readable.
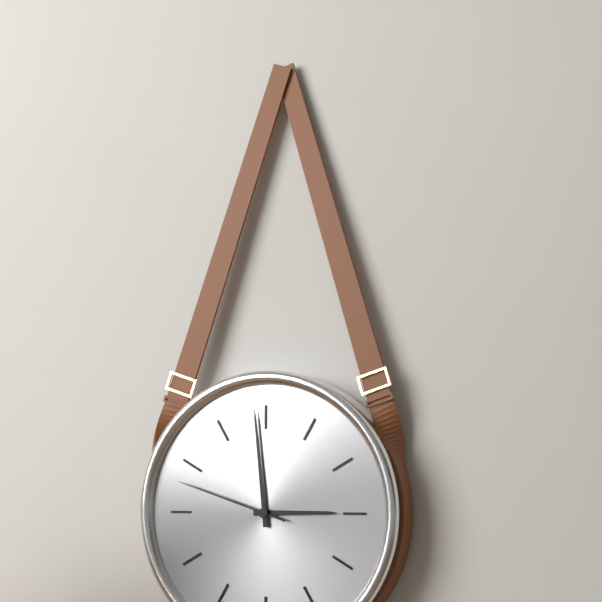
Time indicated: 2:59:48
